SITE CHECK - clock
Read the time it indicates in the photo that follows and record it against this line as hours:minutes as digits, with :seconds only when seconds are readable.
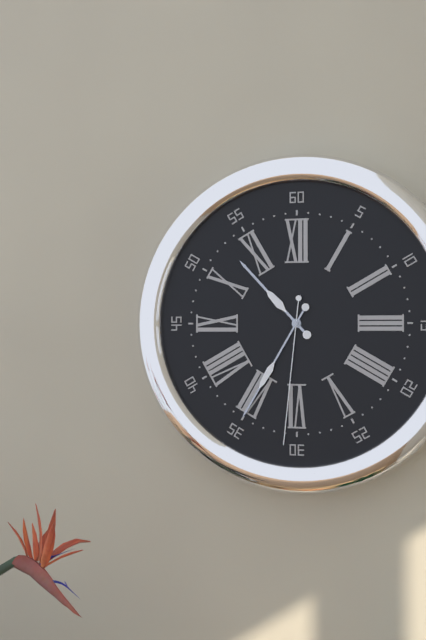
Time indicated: 10:35:31
